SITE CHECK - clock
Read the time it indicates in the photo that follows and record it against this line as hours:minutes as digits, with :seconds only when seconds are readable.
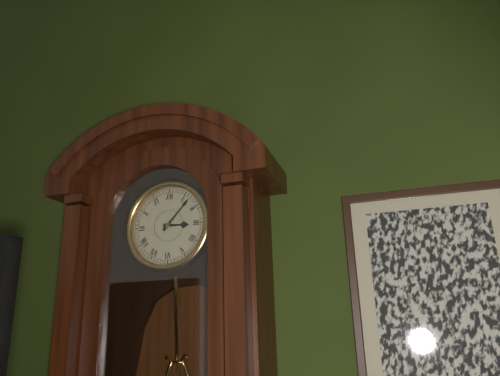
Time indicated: 3:07
